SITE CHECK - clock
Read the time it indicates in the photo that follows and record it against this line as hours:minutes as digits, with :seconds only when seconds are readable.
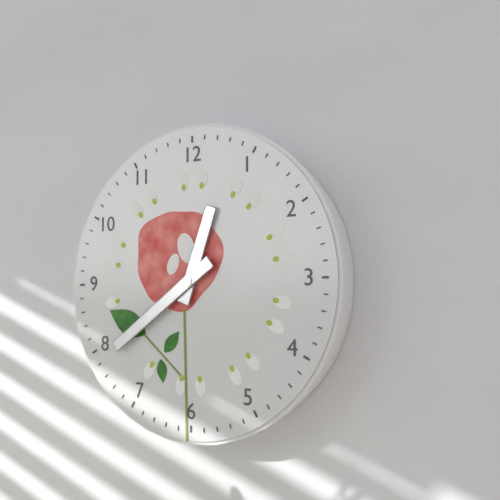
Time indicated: 12:39
